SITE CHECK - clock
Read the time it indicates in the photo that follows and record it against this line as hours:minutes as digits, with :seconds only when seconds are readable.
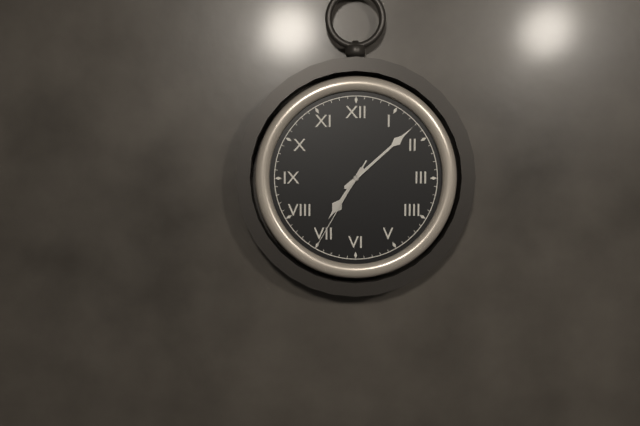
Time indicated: 7:08:35
